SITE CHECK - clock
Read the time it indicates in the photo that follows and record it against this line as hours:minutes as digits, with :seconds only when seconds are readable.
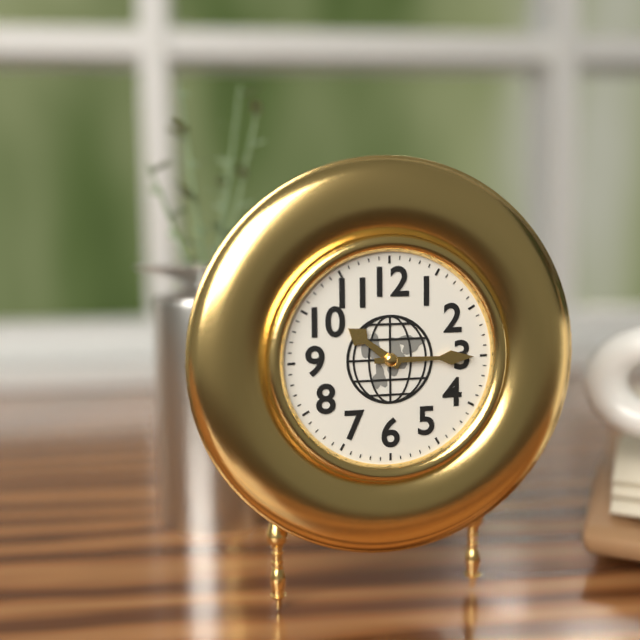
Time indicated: 10:15
